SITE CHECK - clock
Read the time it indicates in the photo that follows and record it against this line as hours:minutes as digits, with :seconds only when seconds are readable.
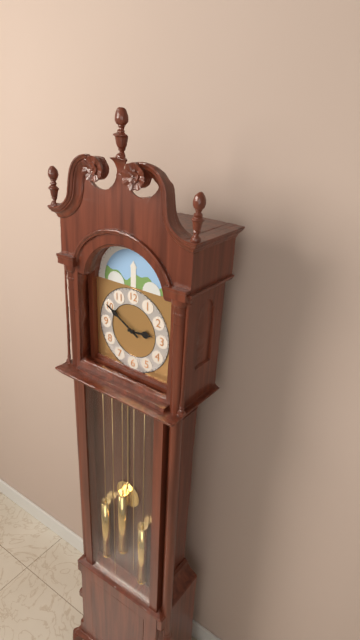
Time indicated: 2:50
